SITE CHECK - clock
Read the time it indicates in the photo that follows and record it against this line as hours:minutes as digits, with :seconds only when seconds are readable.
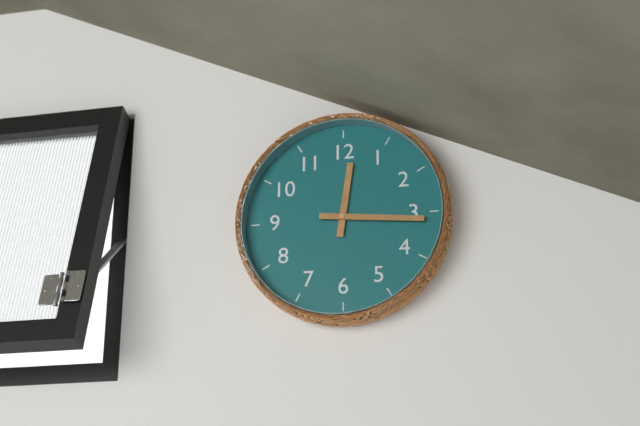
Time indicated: 12:16
